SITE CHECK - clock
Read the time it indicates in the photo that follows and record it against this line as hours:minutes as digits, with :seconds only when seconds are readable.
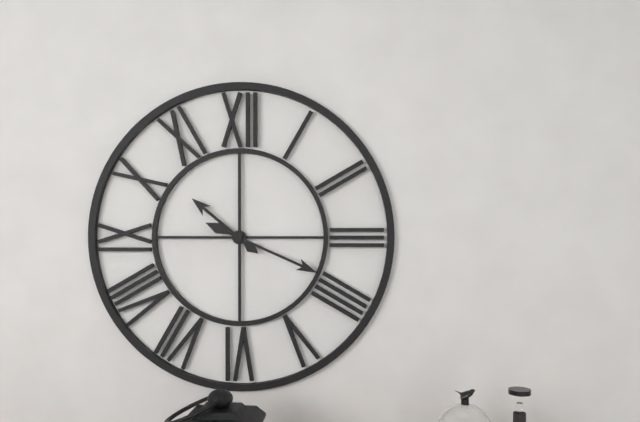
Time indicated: 10:19
